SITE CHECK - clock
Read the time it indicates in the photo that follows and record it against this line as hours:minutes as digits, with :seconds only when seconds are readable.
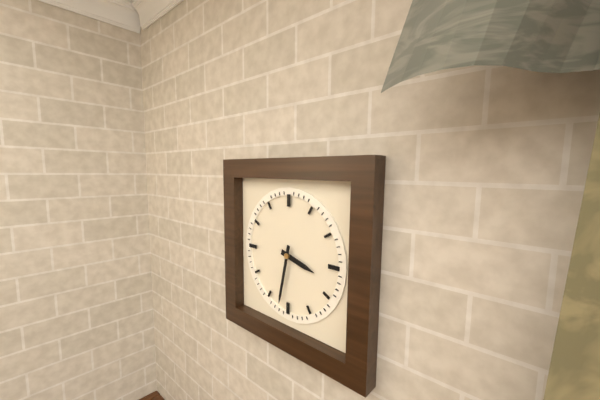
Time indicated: 3:32
